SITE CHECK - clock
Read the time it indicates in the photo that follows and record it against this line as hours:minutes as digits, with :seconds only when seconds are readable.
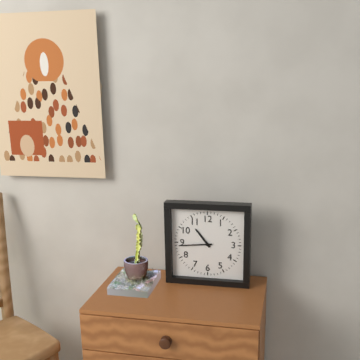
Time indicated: 10:44
